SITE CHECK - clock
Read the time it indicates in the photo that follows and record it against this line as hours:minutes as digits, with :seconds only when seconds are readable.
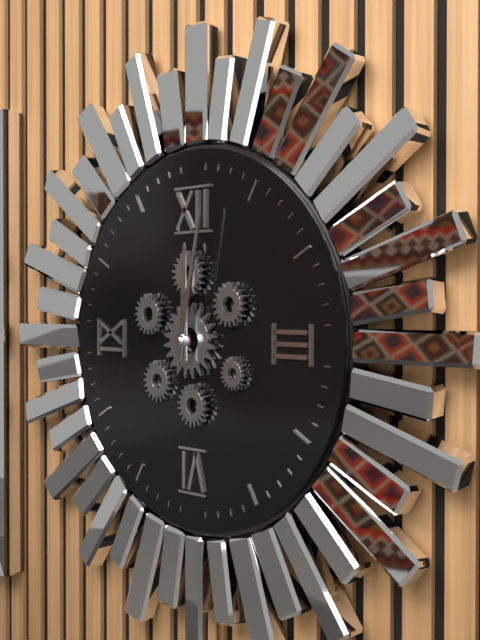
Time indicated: 12:02
